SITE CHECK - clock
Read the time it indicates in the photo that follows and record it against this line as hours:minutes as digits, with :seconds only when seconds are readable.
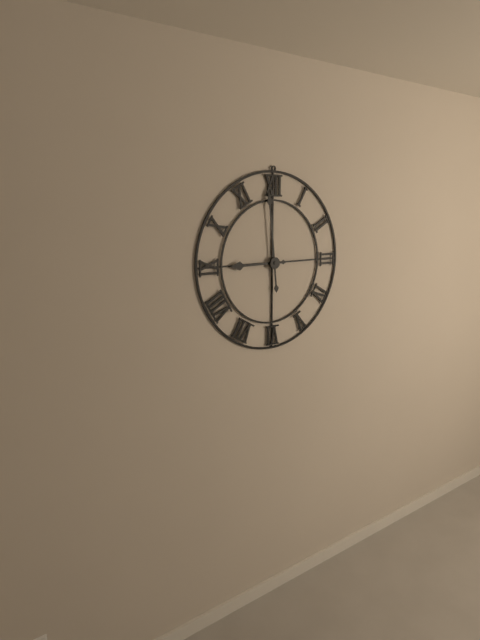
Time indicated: 8:59
